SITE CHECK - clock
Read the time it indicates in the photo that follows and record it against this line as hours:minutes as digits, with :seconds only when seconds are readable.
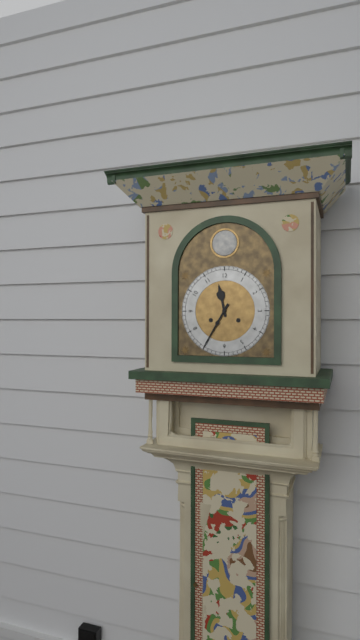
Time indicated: 11:35
